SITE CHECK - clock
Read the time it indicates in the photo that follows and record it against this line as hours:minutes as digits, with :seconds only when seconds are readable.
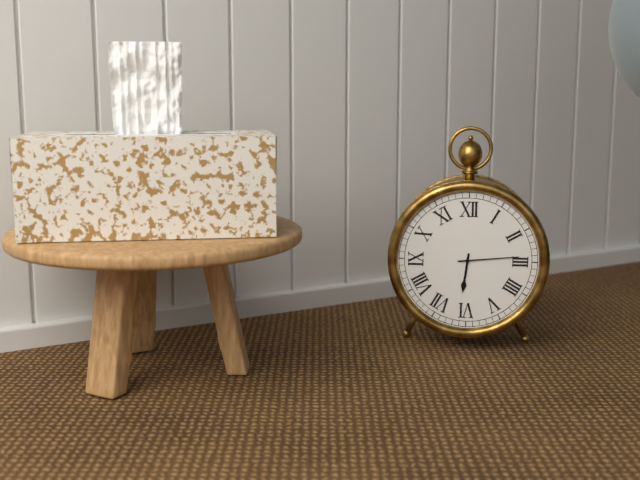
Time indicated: 6:14
